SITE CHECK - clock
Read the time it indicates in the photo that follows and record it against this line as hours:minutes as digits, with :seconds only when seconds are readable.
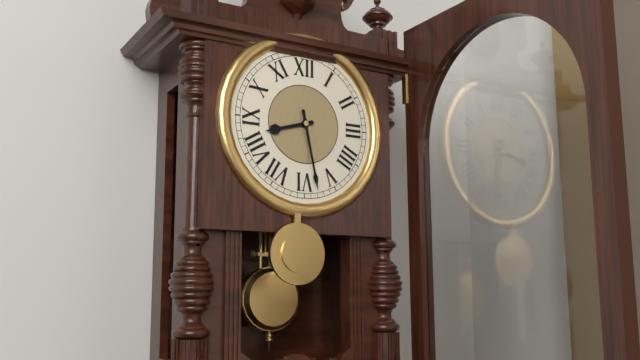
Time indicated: 8:28
